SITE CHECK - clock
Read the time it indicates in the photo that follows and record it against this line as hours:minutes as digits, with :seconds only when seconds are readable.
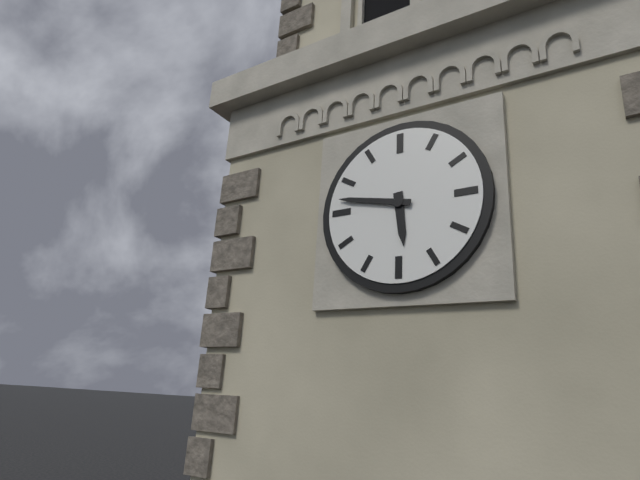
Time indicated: 5:47
